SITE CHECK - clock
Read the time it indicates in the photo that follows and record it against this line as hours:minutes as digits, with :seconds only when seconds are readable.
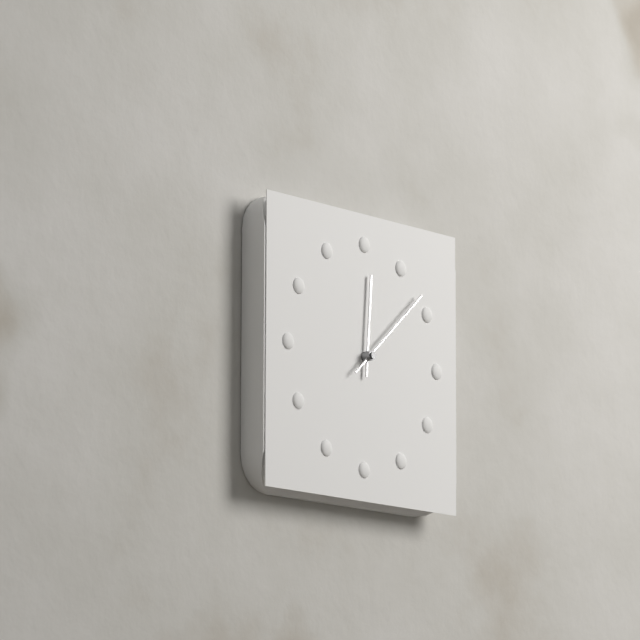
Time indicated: 12:08
